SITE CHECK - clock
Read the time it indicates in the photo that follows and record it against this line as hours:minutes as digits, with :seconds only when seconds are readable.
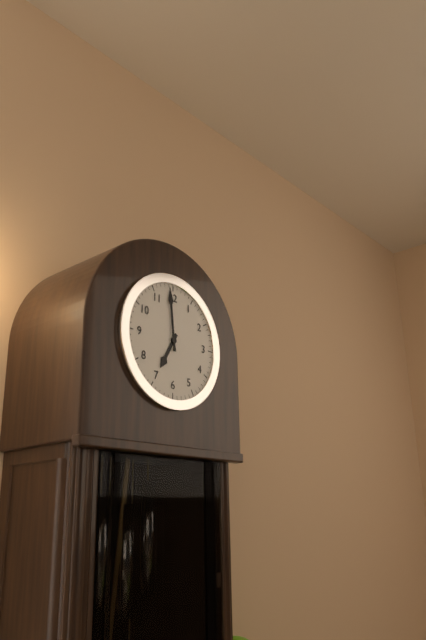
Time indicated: 6:59
